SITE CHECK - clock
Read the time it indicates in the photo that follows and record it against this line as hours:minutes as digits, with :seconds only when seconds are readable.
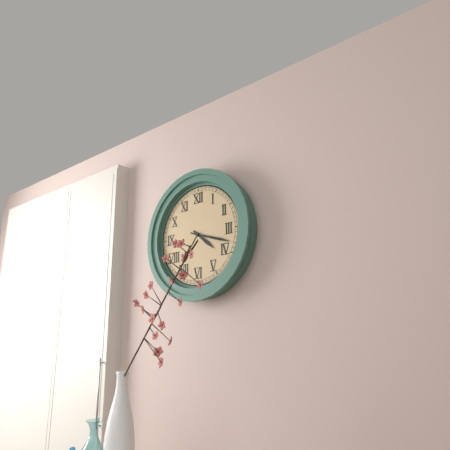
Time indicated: 4:18
